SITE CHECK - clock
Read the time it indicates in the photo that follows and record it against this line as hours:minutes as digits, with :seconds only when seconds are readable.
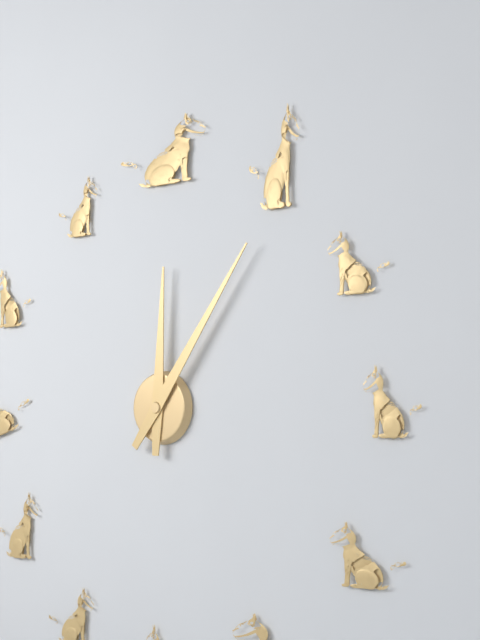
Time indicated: 12:06
